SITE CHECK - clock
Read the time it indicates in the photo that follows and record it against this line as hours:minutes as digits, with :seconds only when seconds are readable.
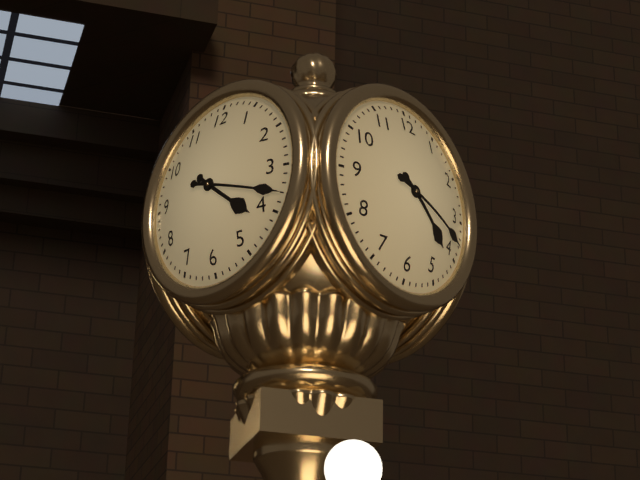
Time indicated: 4:18
